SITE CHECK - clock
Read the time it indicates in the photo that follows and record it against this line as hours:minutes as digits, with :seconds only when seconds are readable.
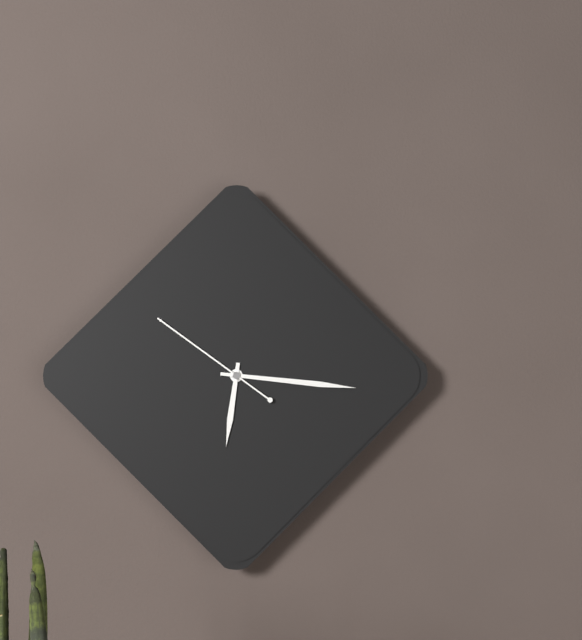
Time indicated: 6:16:51
